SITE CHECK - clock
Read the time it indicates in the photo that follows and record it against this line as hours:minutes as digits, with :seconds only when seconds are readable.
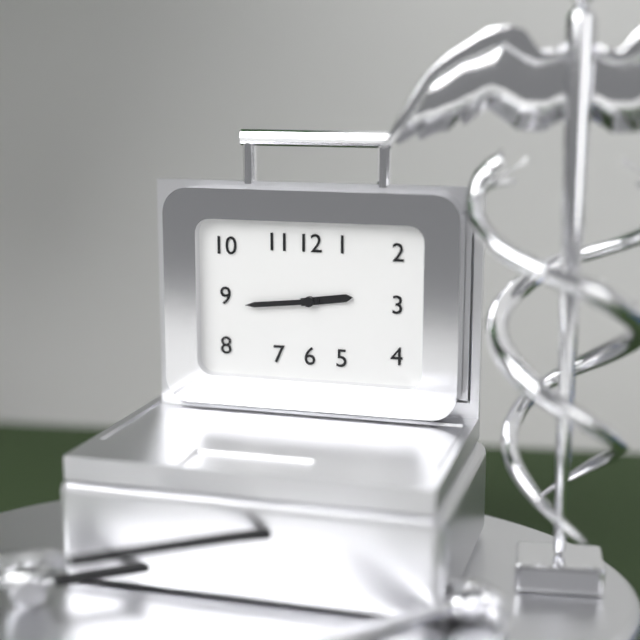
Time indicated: 2:44
